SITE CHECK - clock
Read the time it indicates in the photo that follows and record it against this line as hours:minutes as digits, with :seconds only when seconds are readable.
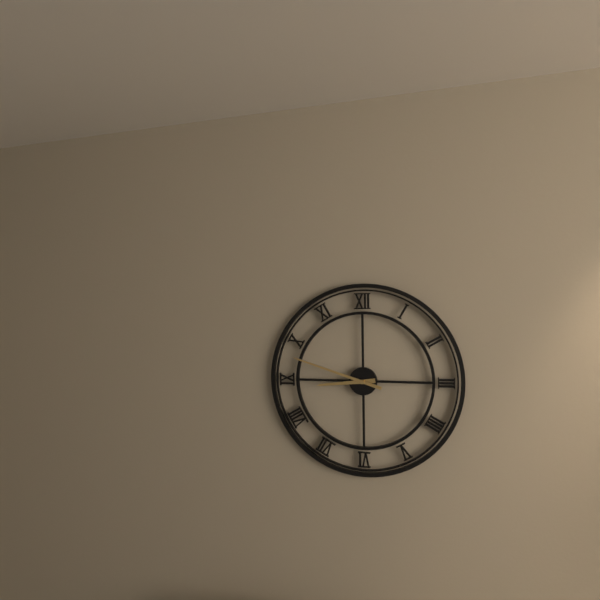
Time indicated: 8:48
